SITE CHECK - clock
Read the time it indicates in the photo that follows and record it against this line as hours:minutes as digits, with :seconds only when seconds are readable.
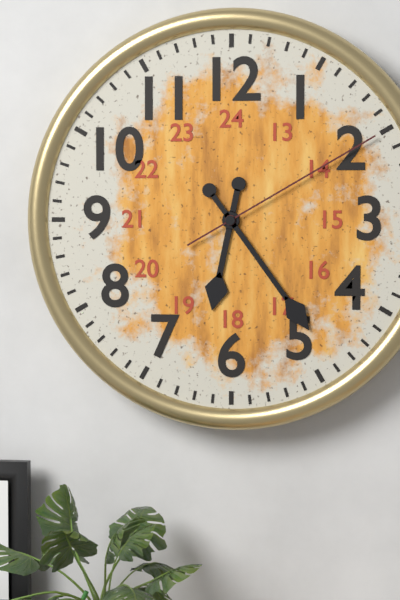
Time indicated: 6:24:10
